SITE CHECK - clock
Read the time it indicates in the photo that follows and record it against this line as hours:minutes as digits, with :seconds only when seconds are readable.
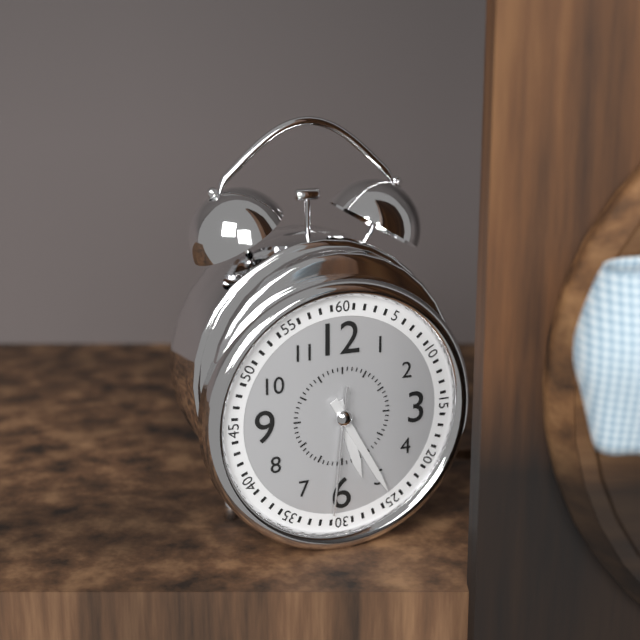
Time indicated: 5:25:31
